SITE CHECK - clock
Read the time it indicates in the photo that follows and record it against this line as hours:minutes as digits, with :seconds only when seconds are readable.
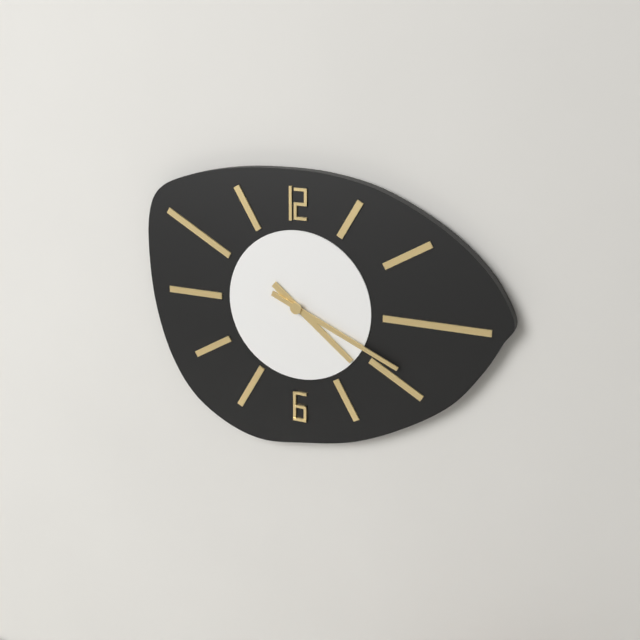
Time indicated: 4:19
